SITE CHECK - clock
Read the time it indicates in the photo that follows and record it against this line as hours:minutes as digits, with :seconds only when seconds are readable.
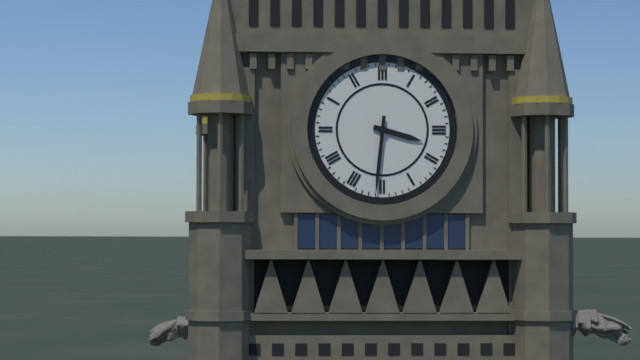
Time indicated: 3:31
